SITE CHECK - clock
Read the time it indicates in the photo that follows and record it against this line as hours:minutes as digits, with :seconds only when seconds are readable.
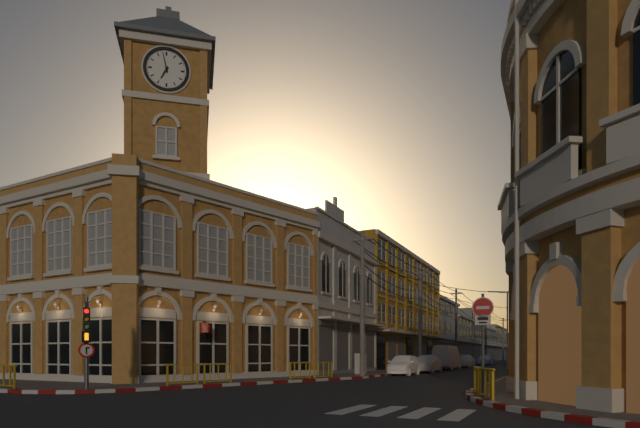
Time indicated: 6:58
